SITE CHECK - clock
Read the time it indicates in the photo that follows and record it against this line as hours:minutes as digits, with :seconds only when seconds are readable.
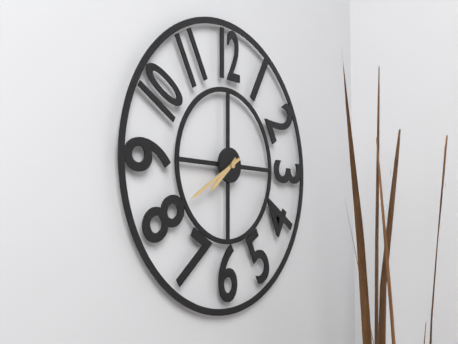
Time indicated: 7:40
